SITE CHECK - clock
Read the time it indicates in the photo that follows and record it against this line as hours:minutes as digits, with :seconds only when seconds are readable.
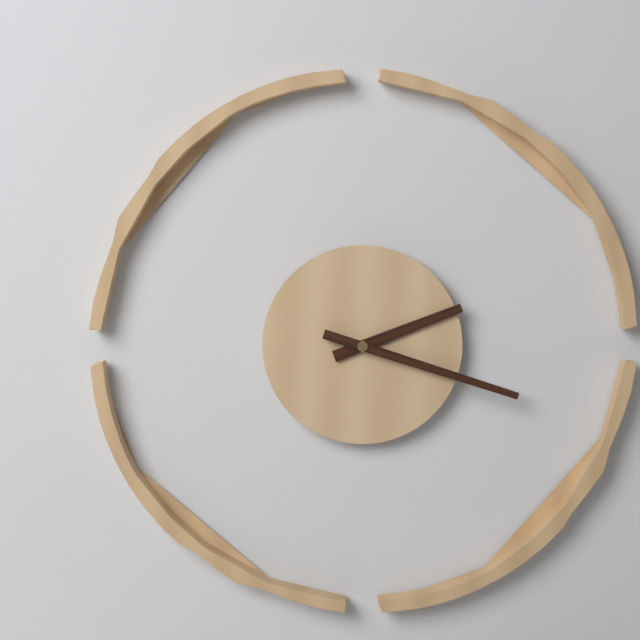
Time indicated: 2:18
